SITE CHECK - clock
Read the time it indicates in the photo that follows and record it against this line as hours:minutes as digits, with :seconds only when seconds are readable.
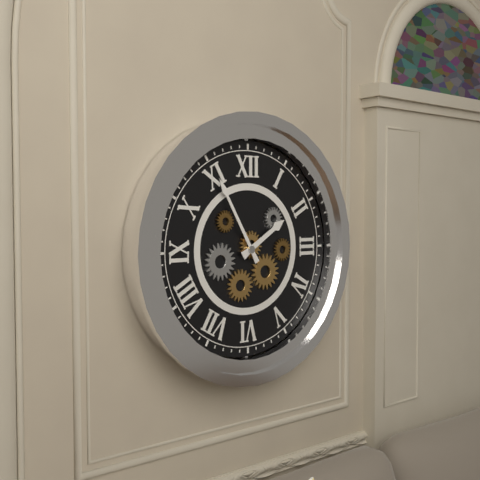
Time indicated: 1:55
